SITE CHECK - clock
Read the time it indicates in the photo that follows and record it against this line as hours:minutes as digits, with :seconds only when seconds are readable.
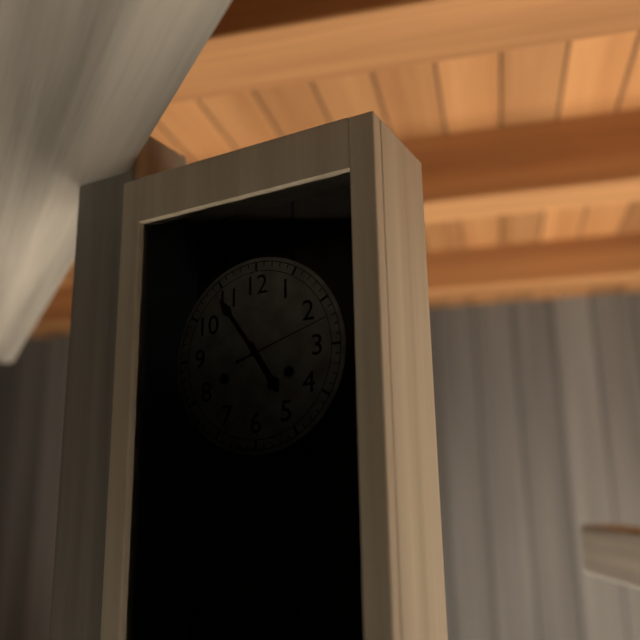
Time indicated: 4:54:12
